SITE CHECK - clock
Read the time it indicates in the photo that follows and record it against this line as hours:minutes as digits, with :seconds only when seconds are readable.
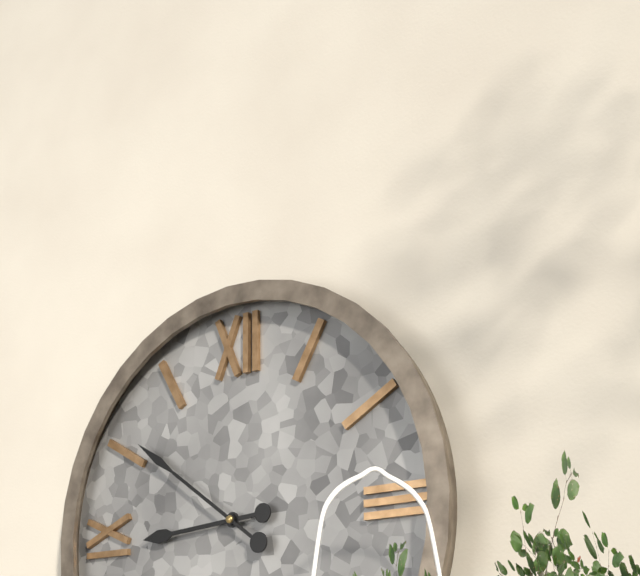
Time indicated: 8:51
